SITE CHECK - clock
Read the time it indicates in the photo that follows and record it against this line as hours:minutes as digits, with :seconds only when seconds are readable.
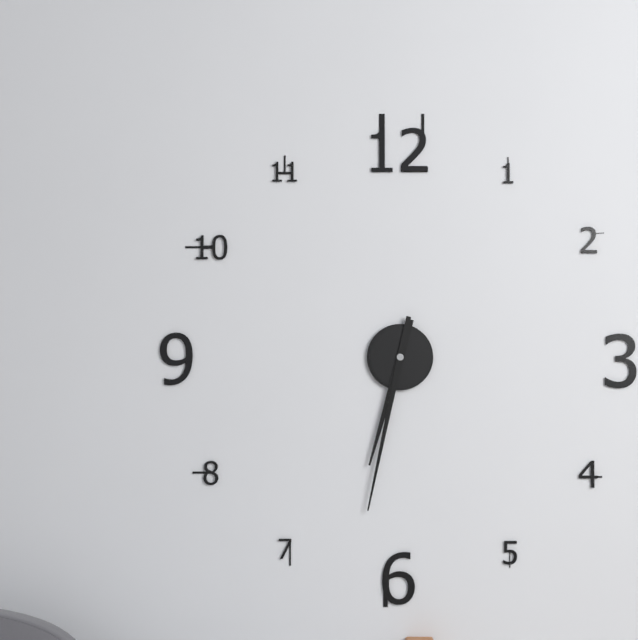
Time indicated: 6:32
